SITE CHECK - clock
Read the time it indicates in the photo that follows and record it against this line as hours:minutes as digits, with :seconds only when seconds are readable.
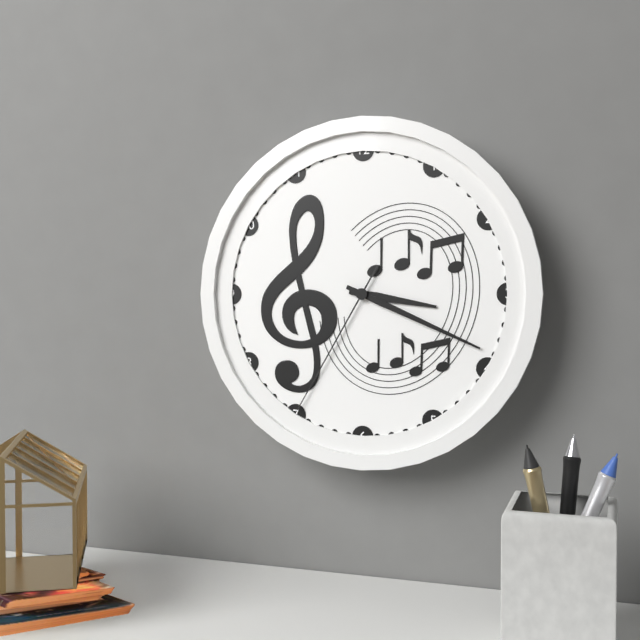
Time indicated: 3:19:35
